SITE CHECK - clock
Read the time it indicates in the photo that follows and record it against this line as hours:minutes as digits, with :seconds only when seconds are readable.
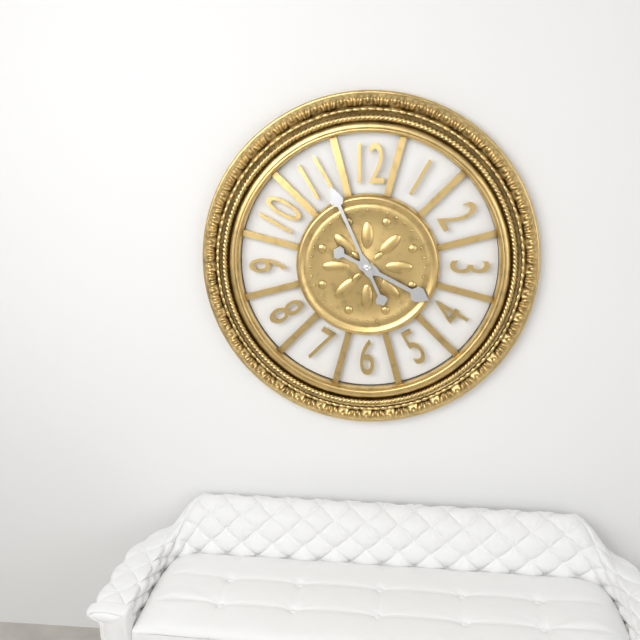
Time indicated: 3:56
